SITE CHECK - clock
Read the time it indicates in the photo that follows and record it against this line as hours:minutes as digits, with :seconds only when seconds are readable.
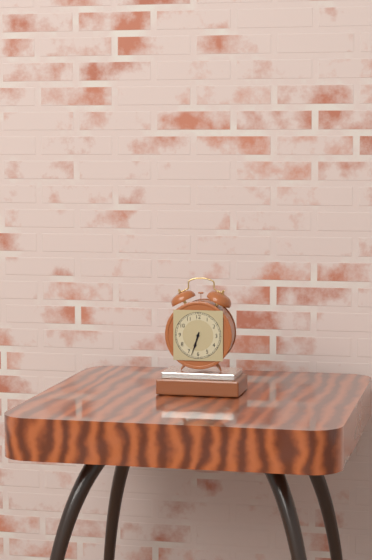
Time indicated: 6:33
